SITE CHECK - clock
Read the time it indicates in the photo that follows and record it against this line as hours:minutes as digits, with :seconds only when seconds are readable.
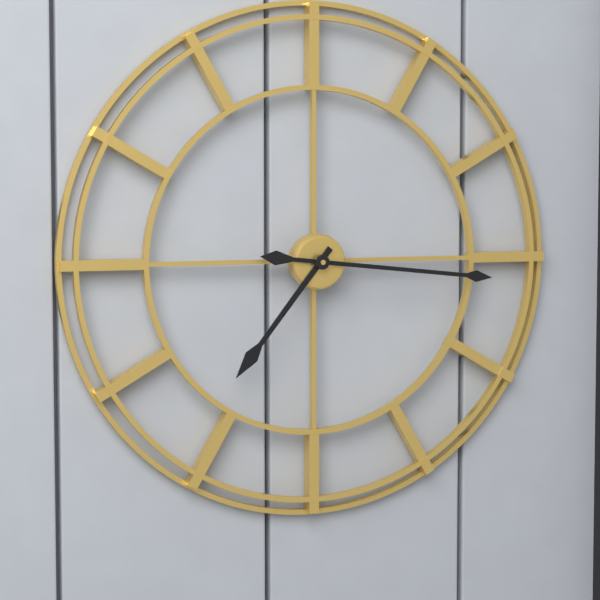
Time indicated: 7:16
